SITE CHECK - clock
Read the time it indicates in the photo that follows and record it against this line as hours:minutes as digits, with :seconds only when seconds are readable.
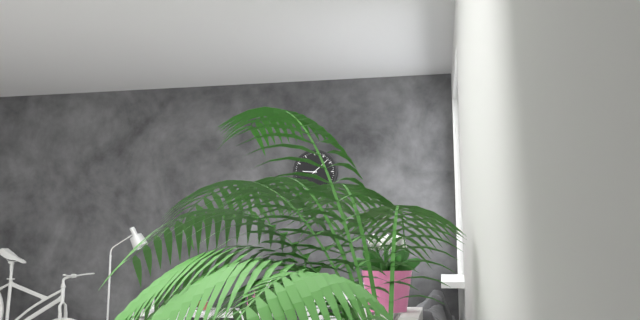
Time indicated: 9:08
